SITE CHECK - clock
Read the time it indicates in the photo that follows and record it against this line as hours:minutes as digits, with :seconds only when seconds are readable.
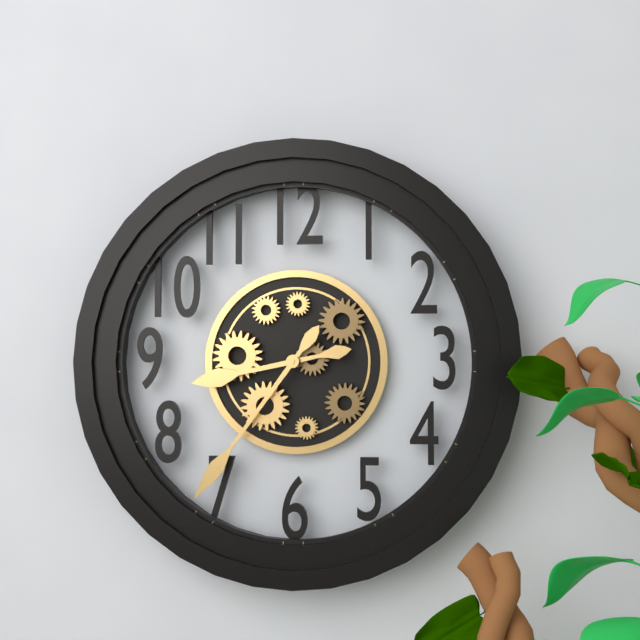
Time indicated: 8:36
